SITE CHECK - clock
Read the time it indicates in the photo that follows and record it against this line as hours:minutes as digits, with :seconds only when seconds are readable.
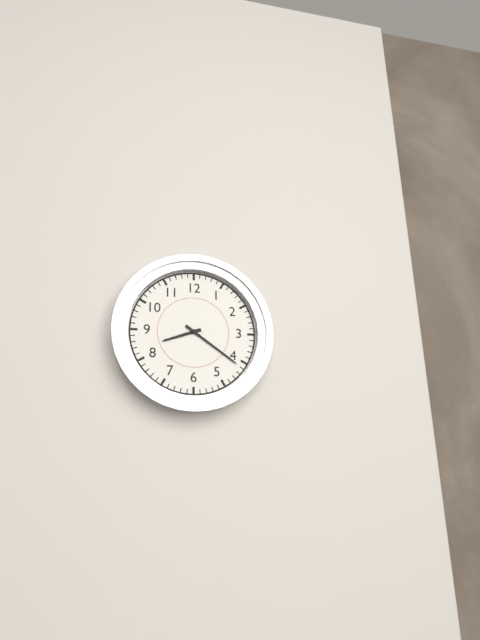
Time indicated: 8:21
